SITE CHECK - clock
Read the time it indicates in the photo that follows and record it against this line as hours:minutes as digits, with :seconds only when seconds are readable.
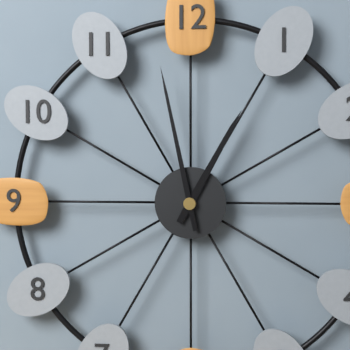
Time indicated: 12:58
